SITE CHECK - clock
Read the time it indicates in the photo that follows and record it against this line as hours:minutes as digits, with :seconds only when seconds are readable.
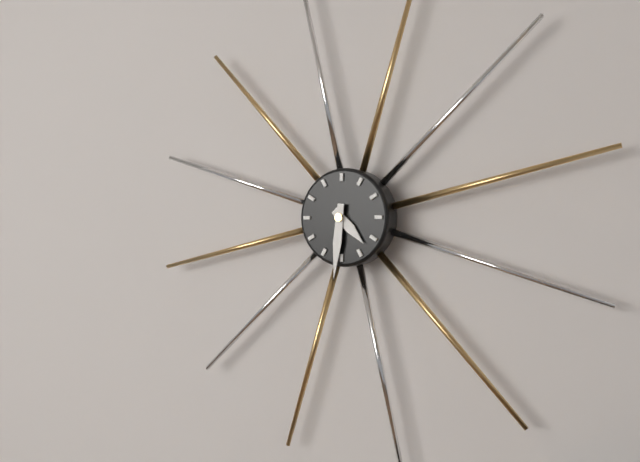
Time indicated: 4:31
